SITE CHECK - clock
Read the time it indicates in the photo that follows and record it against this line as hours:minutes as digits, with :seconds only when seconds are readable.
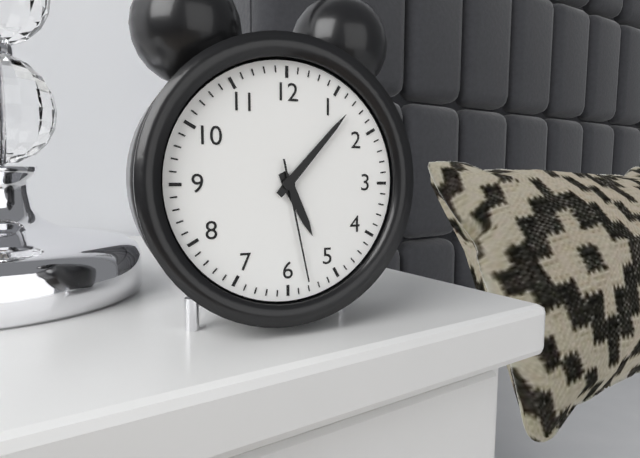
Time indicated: 5:07:28
